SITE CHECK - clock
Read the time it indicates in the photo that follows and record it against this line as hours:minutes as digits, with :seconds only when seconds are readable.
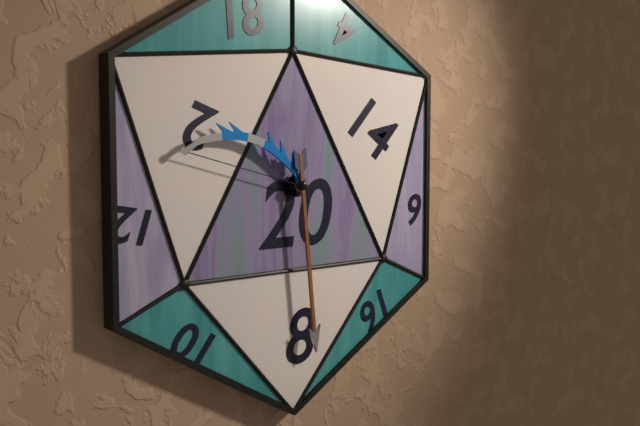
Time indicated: 9:29
